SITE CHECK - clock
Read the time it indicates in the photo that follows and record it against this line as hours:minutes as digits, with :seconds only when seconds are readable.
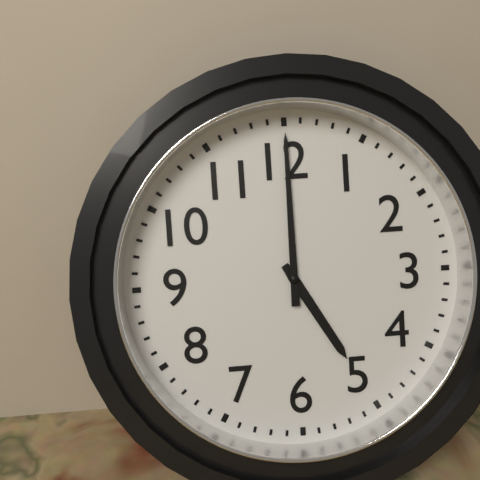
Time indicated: 5:00
